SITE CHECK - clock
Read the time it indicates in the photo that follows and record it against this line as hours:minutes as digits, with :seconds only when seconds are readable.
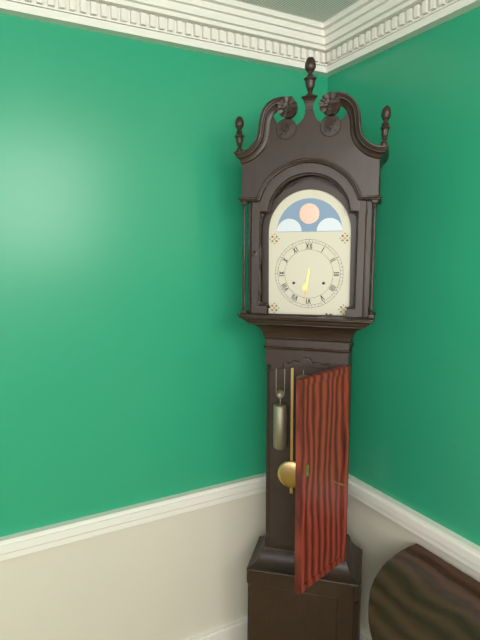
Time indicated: 6:31
